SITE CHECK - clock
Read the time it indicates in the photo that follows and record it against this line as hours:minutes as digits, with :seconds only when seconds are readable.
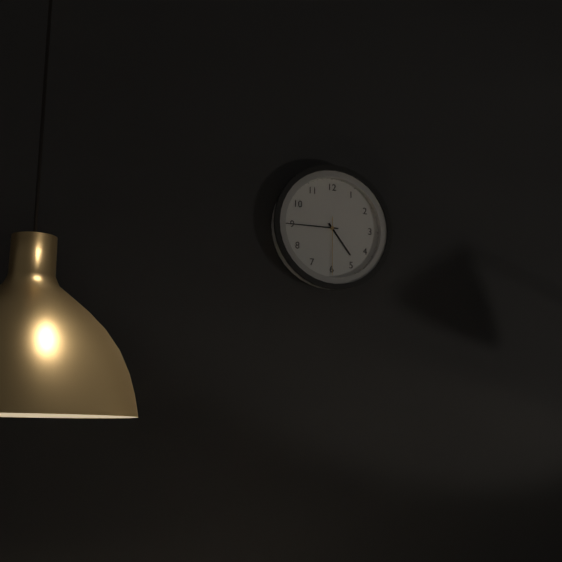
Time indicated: 4:45:30
